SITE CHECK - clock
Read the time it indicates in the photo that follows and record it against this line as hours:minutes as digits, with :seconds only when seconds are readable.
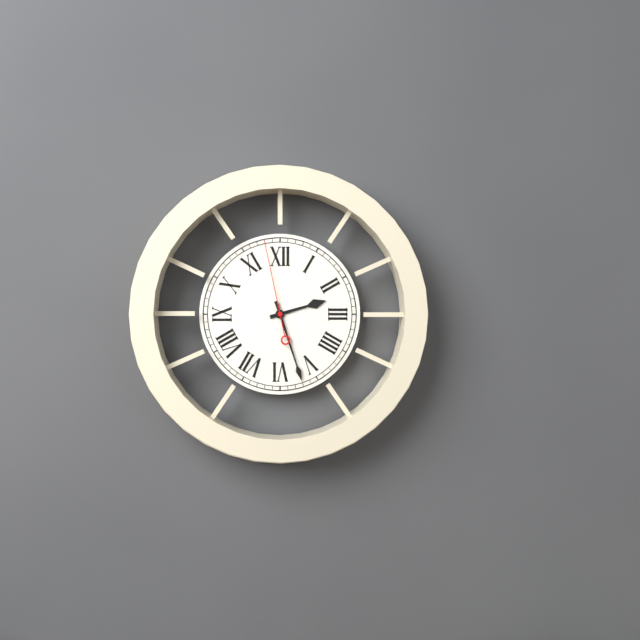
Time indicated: 2:27:58
